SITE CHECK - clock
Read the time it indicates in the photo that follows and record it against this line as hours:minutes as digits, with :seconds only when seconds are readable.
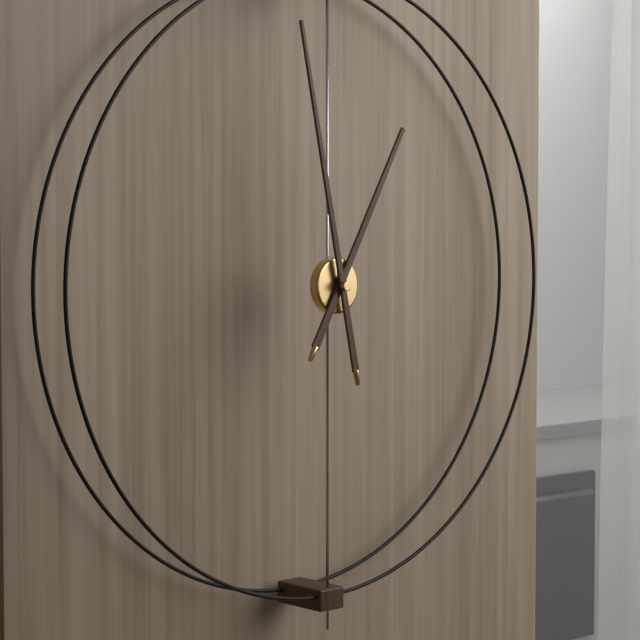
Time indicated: 12:58
